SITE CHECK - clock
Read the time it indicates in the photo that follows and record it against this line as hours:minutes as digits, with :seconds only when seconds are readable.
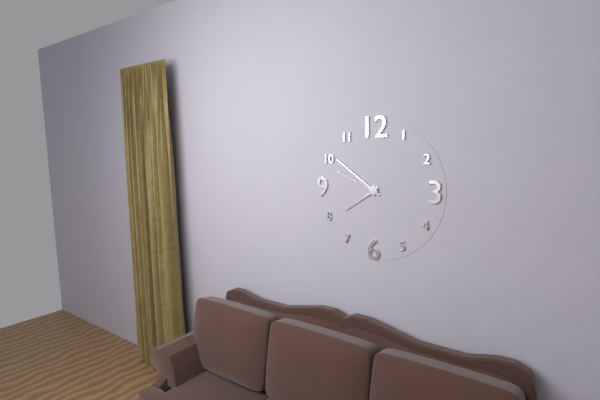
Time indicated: 7:51:49
